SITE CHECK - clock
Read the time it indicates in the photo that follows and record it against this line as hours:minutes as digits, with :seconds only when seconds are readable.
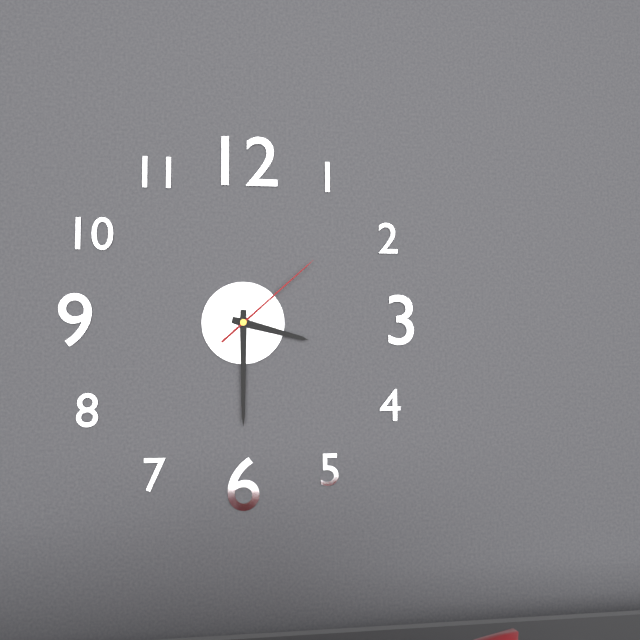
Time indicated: 3:30:08
